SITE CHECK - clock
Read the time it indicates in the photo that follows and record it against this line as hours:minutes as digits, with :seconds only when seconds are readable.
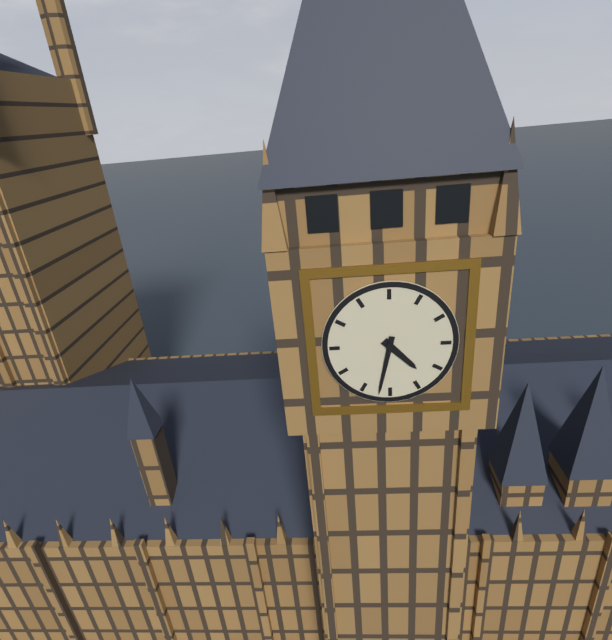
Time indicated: 4:32
